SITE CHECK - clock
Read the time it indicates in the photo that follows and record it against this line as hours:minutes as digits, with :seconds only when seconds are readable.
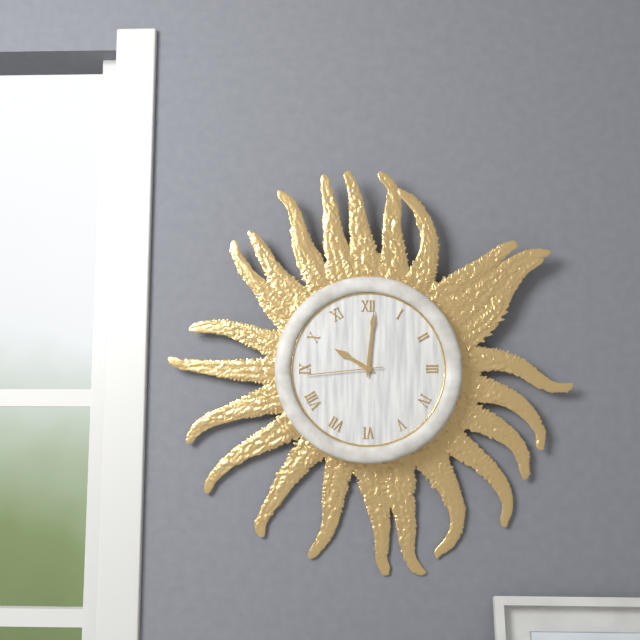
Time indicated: 10:01:44
